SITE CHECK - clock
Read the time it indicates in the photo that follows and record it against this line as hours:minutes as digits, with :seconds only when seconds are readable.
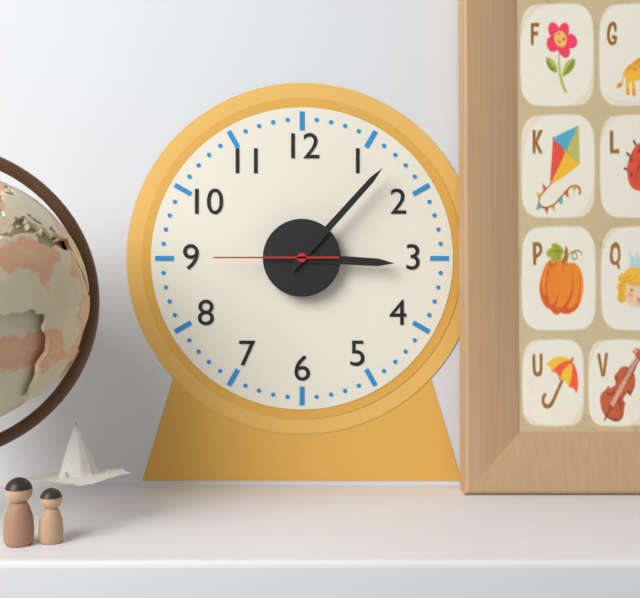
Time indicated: 3:07:45
